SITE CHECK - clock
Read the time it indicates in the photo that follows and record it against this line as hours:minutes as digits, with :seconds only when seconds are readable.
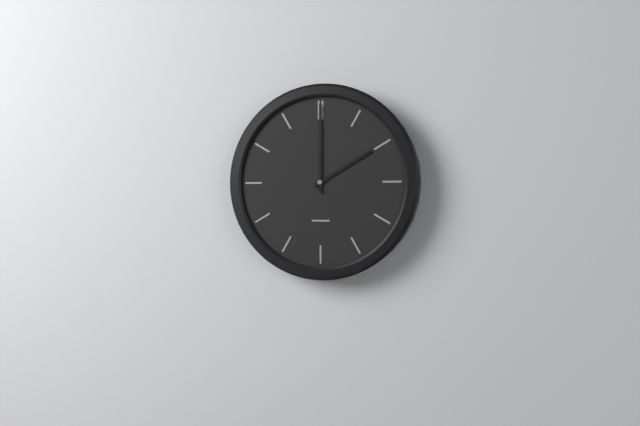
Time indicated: 2:00
